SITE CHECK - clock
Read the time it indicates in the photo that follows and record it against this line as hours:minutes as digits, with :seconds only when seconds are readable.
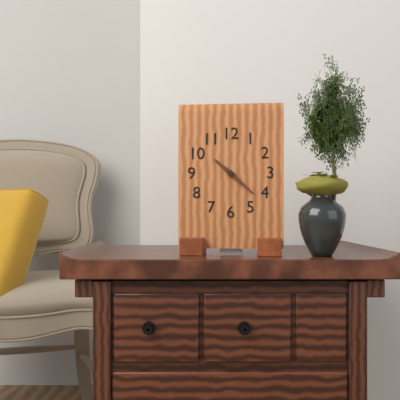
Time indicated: 10:22
